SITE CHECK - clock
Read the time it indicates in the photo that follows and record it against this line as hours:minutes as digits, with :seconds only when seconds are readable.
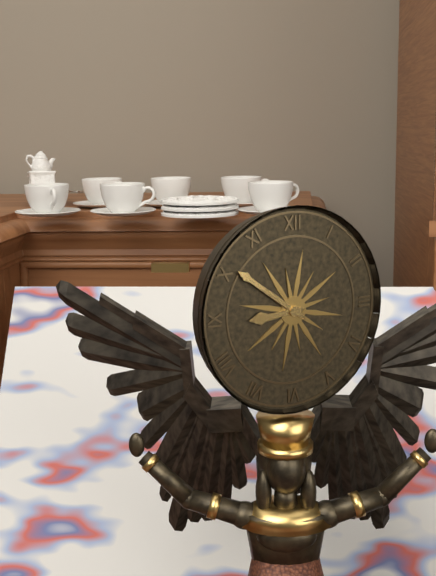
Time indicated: 8:51
